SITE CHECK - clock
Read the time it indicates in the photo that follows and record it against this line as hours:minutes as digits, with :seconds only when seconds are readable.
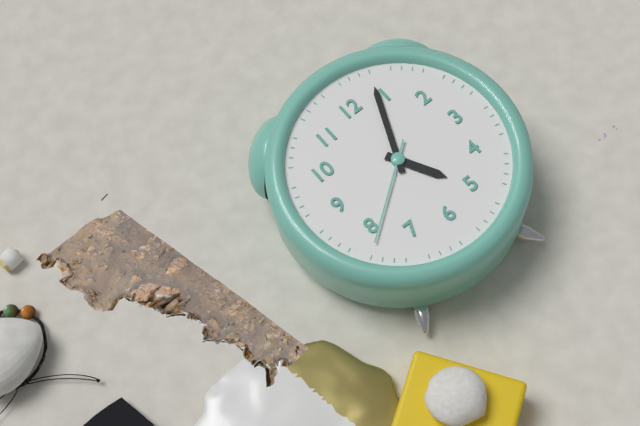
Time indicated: 5:04:39
